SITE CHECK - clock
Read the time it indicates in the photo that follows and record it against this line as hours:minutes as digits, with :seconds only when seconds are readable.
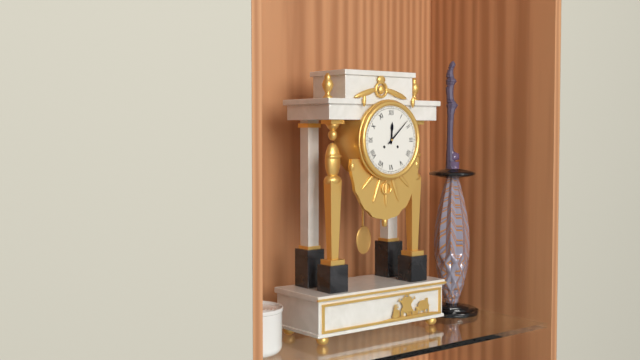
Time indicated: 12:08
